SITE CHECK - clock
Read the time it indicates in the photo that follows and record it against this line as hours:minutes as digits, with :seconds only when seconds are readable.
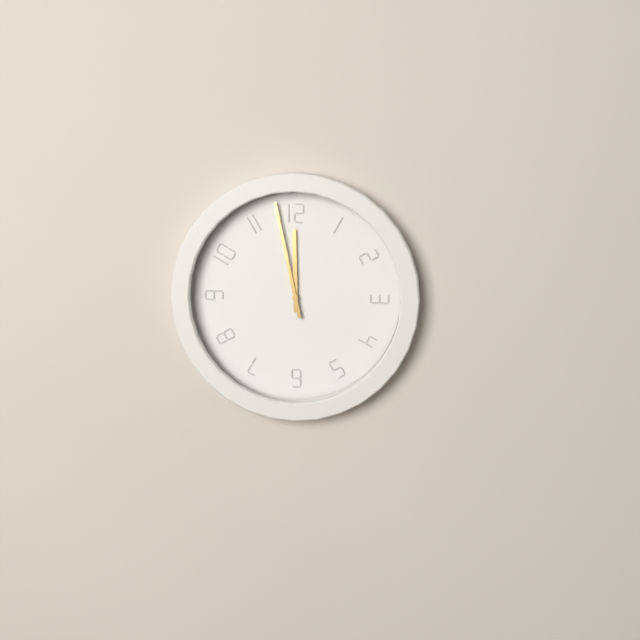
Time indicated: 11:58
